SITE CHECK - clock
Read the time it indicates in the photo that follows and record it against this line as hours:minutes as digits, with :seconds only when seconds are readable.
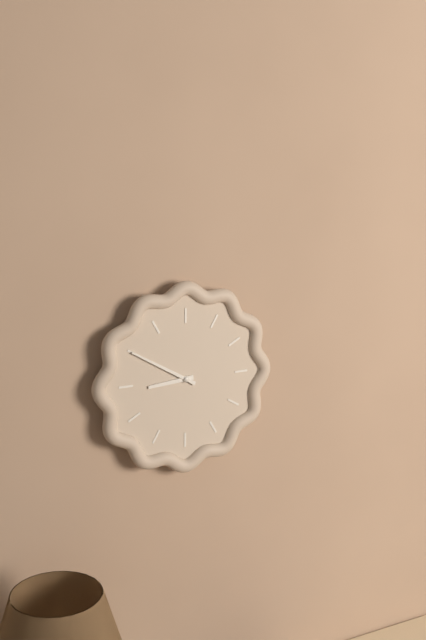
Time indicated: 8:50
